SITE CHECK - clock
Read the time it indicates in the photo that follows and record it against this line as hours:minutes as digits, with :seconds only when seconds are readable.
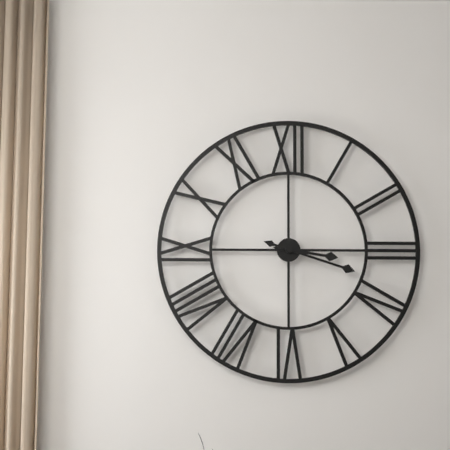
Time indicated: 3:18
